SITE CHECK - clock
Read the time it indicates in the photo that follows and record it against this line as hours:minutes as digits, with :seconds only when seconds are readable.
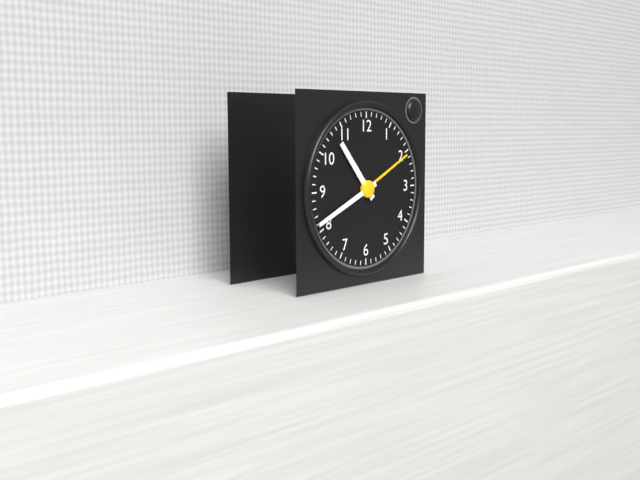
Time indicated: 10:41
